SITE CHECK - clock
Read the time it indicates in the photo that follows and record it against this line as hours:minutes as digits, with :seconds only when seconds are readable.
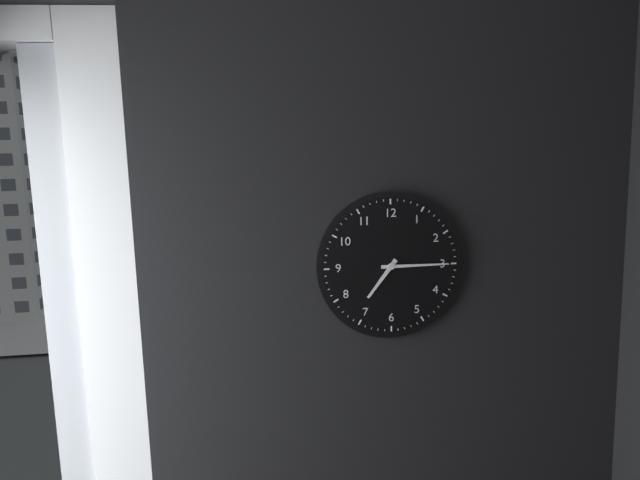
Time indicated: 7:15
